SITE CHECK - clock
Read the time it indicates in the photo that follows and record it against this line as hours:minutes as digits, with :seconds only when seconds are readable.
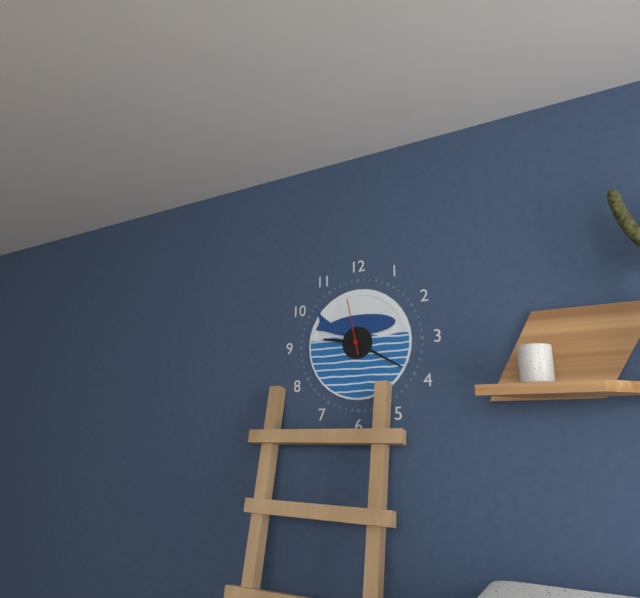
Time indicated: 9:20:58
